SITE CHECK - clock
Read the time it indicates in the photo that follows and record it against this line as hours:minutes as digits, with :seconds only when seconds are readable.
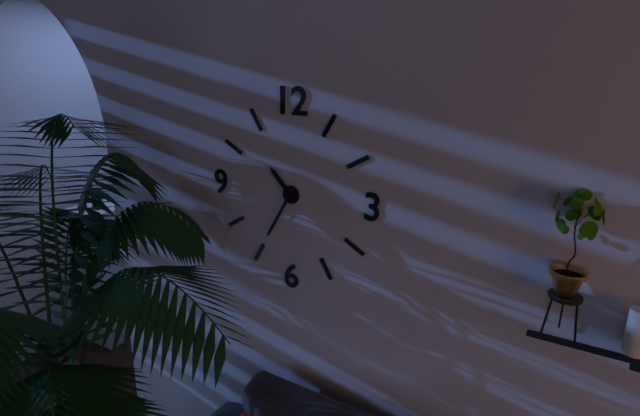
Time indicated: 10:35
